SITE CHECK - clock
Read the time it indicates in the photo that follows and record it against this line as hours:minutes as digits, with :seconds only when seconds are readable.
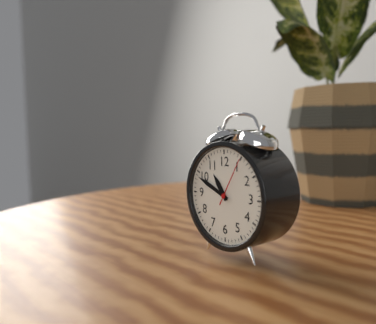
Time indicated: 10:49
